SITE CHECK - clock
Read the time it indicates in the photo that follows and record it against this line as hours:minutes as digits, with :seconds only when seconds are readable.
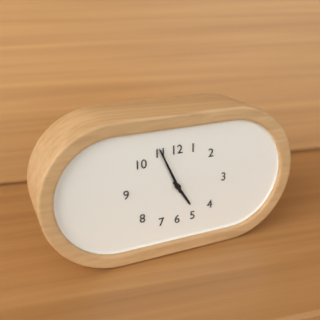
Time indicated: 4:56
